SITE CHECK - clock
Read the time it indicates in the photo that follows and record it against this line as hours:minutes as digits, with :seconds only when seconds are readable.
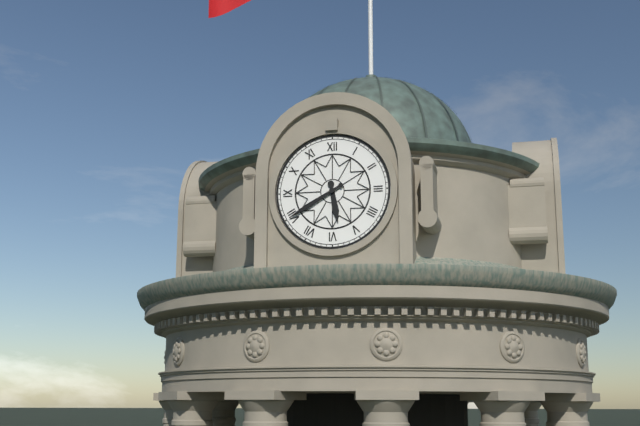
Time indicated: 5:40
